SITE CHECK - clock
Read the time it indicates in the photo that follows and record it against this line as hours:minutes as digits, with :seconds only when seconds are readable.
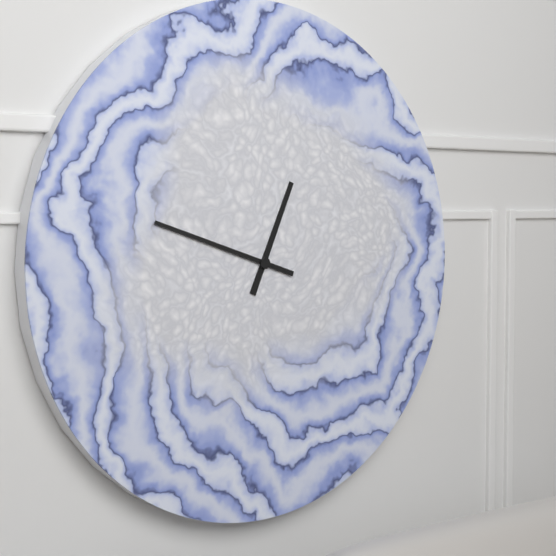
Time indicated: 12:48
